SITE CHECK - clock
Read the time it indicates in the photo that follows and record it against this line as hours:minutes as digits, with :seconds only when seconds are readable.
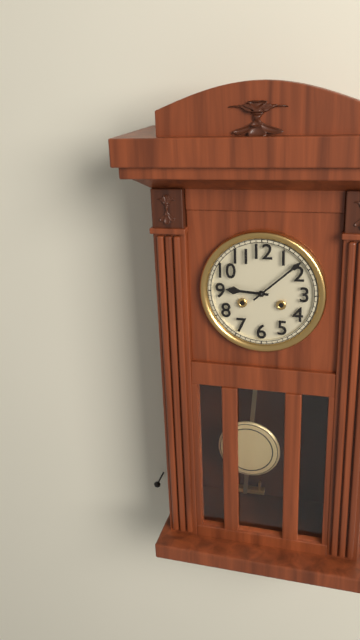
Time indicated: 9:08
